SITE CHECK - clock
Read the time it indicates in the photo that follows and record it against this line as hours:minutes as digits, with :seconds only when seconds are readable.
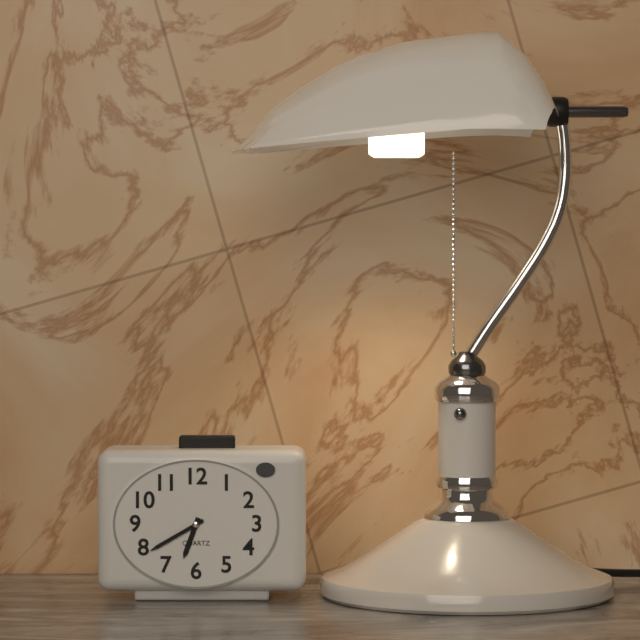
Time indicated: 6:40
